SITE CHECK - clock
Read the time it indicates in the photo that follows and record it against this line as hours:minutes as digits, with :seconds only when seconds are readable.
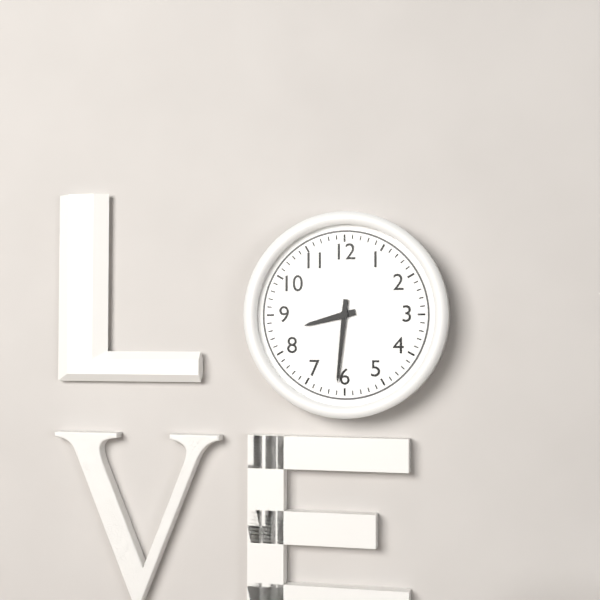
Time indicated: 8:31
